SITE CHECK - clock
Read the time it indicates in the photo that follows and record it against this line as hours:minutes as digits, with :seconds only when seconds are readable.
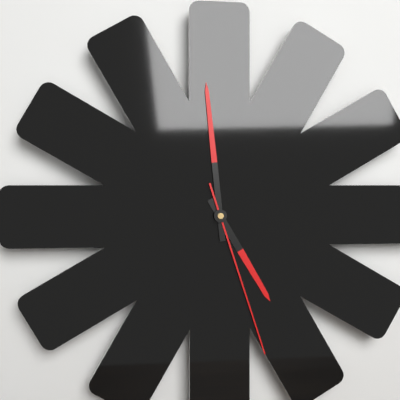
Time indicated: 4:59:27
